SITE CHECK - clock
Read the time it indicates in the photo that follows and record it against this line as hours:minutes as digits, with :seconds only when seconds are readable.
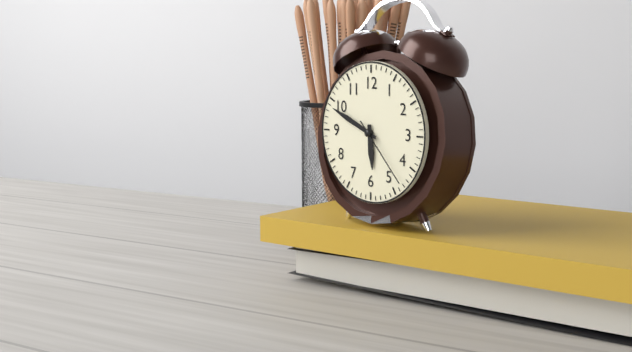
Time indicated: 5:49:23
